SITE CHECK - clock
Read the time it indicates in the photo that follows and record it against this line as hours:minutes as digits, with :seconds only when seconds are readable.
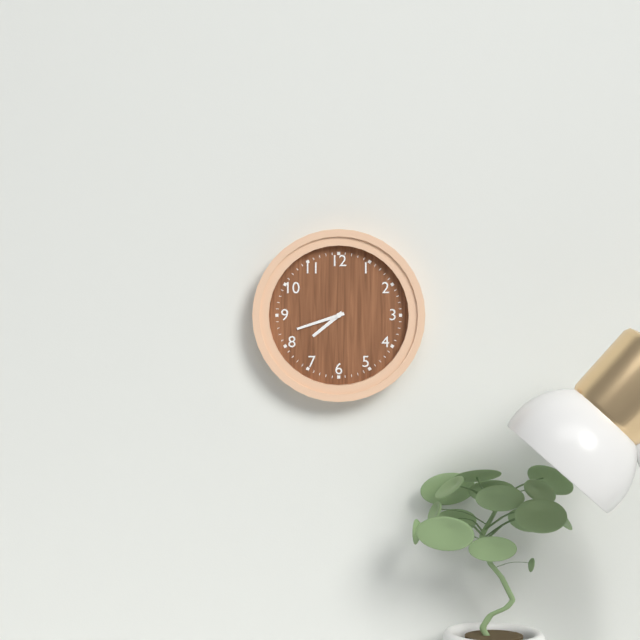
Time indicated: 7:42
